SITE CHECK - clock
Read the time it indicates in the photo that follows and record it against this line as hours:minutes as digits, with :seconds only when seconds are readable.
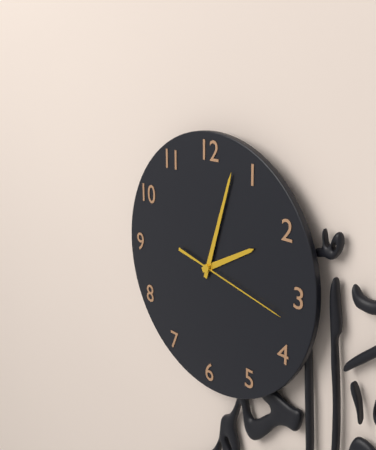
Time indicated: 2:03:17
